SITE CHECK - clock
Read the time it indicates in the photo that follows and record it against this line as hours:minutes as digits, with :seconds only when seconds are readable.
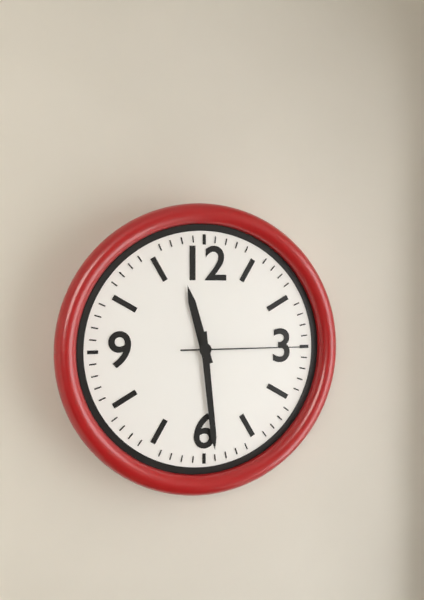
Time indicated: 11:29:15
